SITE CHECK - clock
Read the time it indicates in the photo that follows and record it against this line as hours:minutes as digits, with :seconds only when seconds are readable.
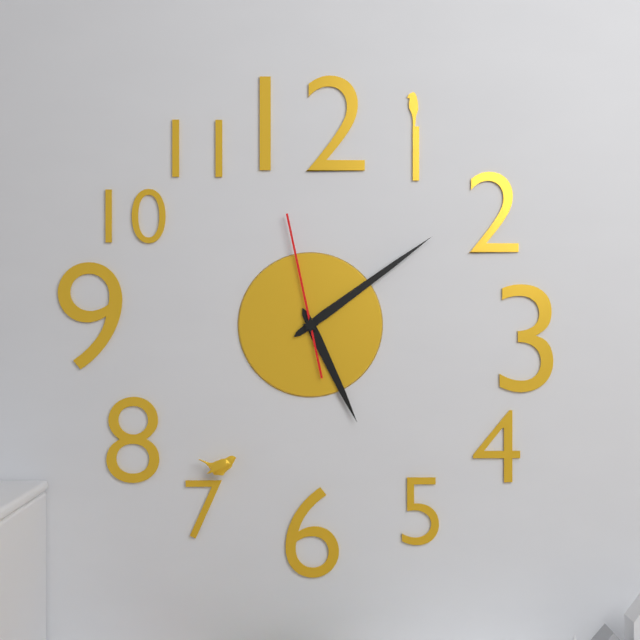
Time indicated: 5:09:58
